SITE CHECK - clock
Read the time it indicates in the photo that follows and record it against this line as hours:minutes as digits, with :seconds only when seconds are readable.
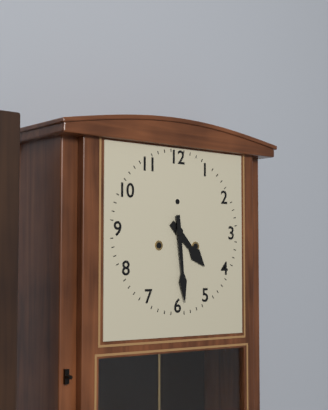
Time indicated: 4:29
